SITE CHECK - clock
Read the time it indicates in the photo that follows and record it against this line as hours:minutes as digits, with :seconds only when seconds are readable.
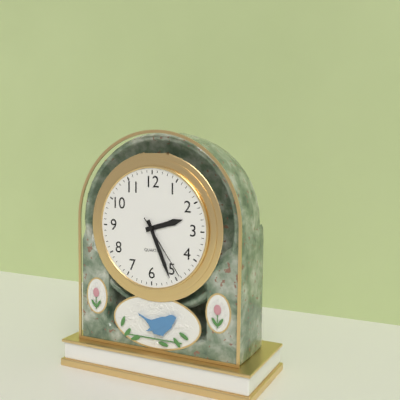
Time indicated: 2:26:24
